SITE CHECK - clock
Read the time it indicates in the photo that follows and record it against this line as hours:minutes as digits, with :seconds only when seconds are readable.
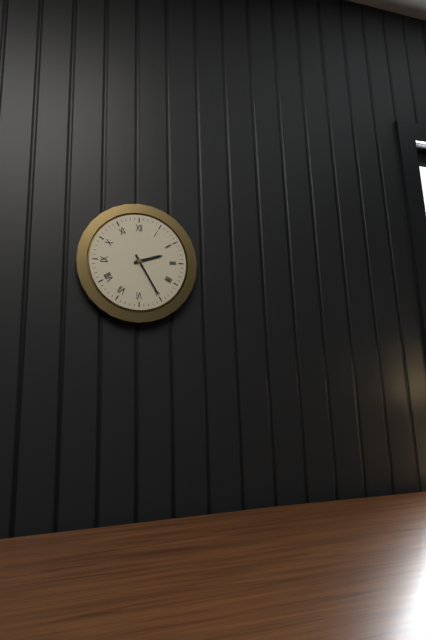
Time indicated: 2:25
